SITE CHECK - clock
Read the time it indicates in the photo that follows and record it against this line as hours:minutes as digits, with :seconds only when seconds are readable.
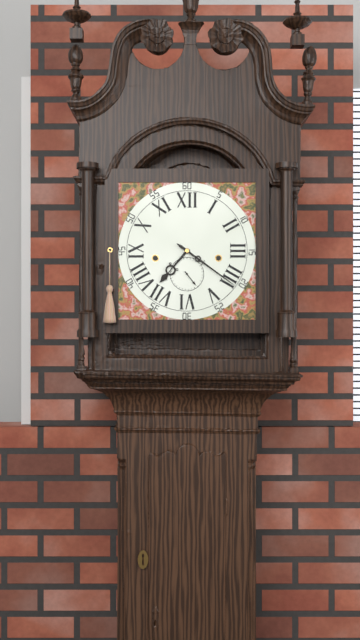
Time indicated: 7:21
